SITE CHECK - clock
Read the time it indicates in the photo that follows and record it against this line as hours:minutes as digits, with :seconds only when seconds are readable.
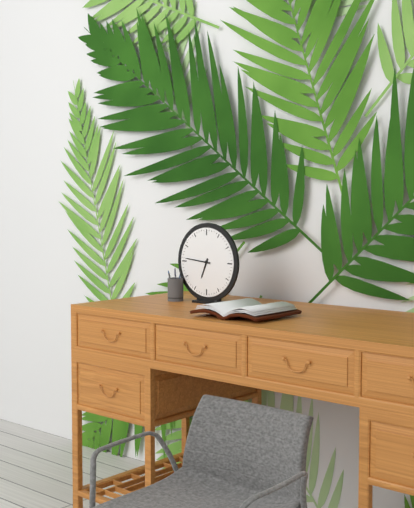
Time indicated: 6:46
